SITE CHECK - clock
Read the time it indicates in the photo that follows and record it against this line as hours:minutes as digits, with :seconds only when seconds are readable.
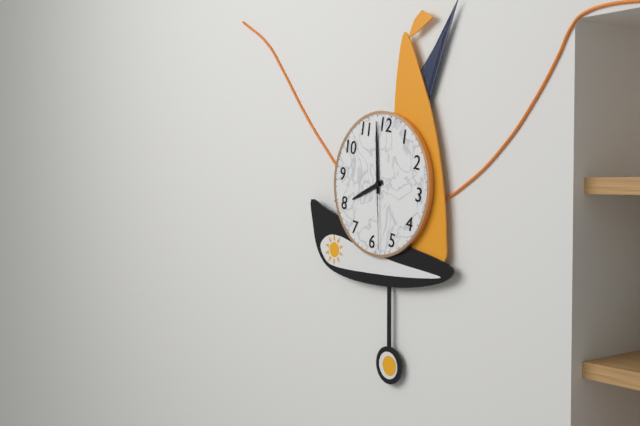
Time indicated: 7:58:28
